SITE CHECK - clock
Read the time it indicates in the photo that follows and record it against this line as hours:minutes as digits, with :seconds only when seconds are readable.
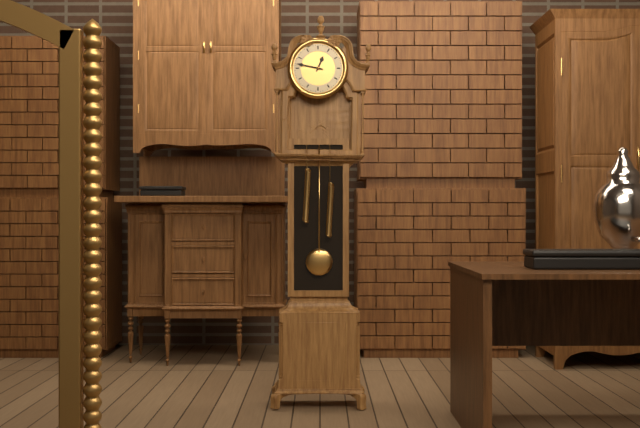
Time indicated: 12:47
